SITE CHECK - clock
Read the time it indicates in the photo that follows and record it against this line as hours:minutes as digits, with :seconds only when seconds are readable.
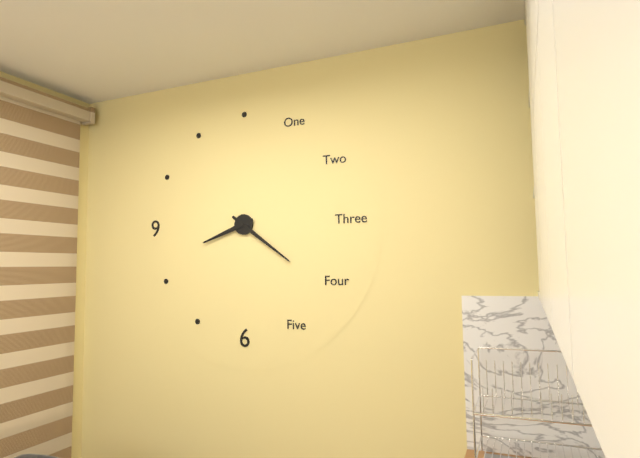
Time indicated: 8:21
